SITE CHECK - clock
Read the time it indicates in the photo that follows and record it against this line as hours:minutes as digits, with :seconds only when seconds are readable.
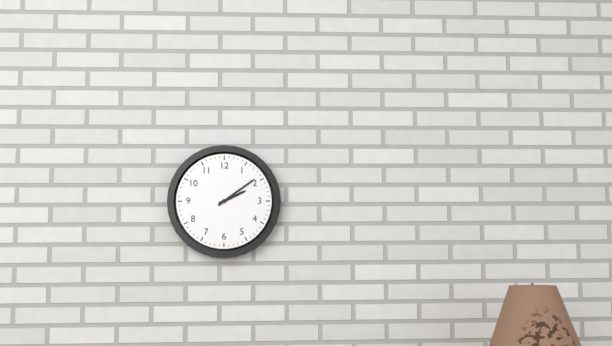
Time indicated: 2:09
